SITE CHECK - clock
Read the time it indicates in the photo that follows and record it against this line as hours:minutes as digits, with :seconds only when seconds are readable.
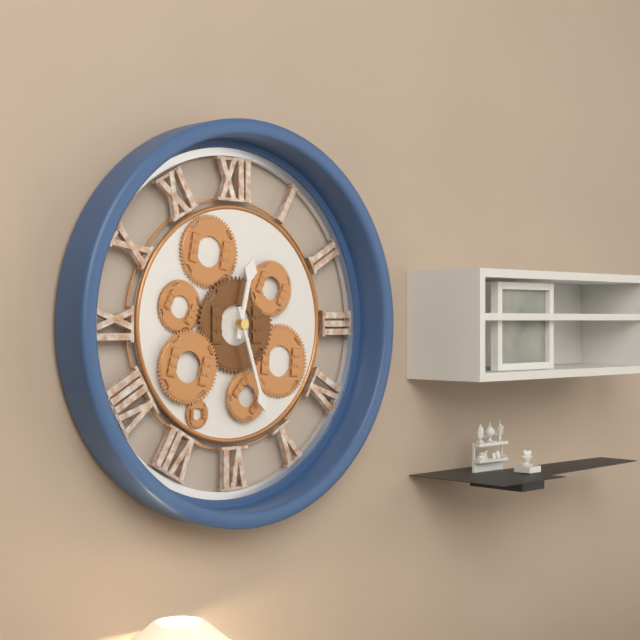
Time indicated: 12:27
